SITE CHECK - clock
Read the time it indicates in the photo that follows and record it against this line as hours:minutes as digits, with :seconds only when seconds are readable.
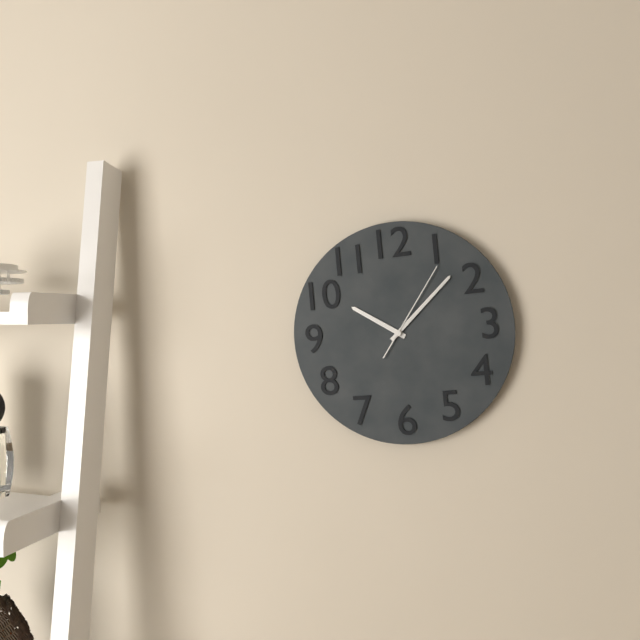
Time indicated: 10:08:06
